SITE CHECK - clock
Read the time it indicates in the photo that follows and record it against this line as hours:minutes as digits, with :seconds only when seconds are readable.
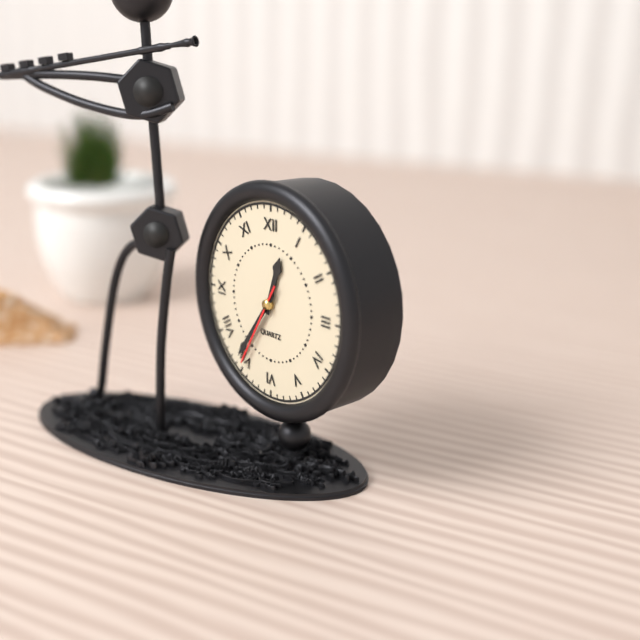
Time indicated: 12:36:35
